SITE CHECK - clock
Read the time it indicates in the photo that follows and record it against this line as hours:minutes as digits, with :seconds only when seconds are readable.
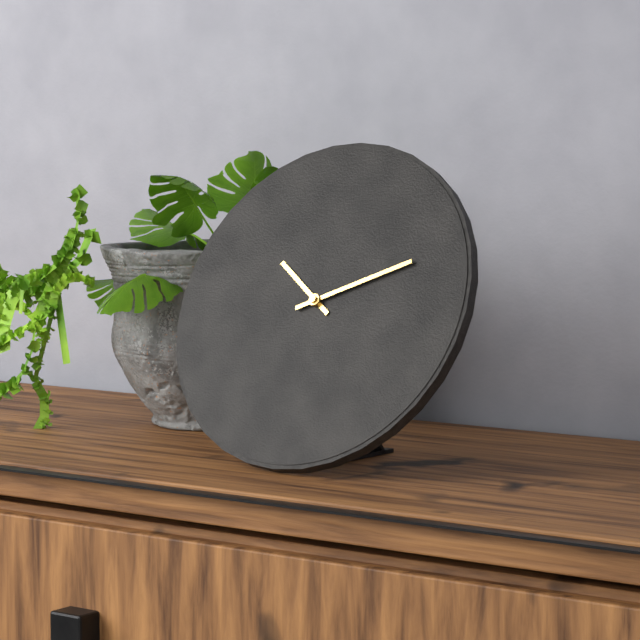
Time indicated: 10:11
